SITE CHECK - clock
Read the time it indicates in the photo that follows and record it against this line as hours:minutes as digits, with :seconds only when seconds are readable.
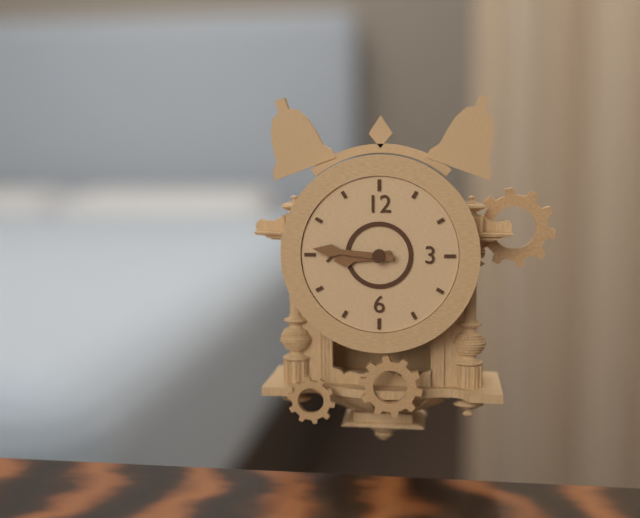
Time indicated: 8:46
